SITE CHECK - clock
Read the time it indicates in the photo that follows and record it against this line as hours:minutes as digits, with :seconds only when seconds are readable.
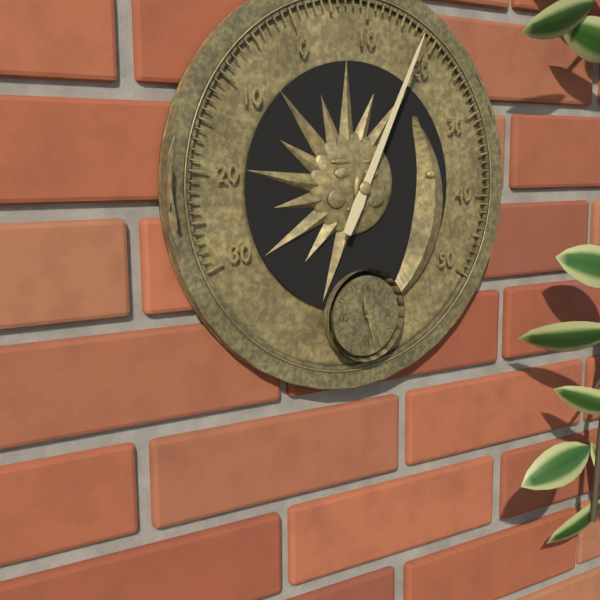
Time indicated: 11:28
